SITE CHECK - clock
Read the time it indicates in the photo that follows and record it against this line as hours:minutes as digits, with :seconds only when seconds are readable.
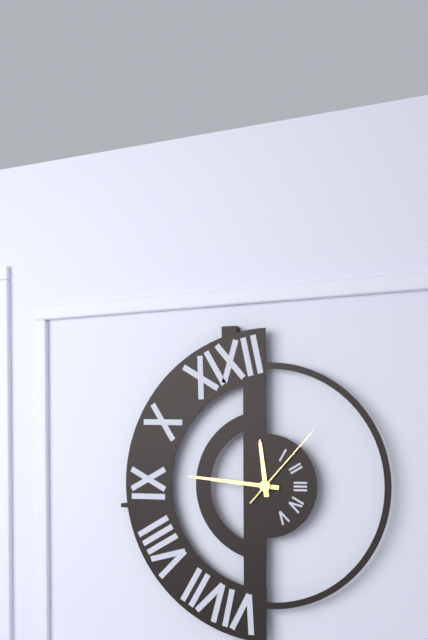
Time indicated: 11:46:07
